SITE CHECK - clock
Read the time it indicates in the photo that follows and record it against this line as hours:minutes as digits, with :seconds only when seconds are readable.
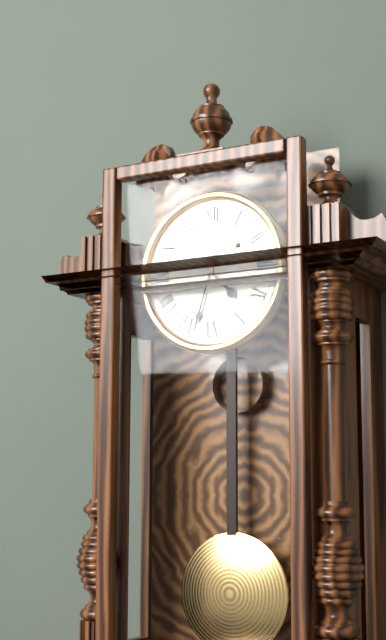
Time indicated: 4:33
